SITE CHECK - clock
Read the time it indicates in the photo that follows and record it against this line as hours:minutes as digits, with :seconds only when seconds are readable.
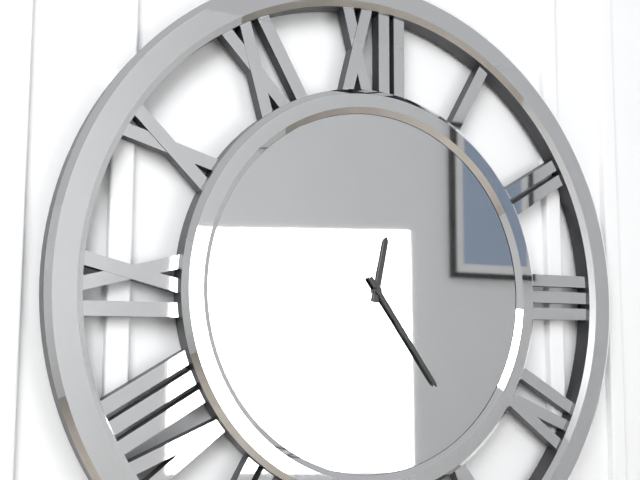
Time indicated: 12:24
